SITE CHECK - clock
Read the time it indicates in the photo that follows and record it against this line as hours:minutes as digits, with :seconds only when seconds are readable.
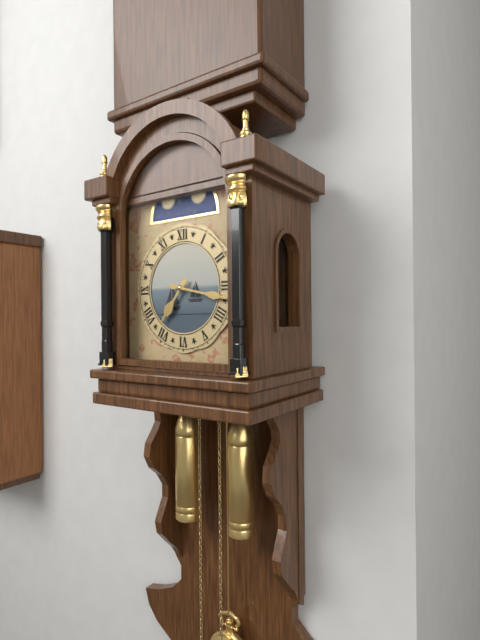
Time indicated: 7:17
